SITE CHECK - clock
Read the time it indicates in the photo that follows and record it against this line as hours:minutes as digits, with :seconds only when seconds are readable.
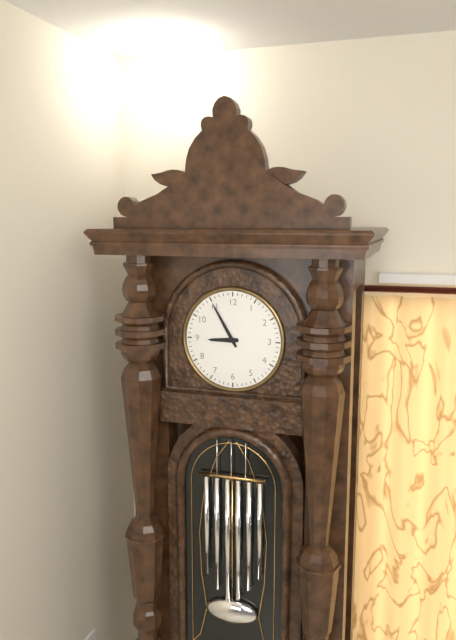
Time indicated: 8:55
